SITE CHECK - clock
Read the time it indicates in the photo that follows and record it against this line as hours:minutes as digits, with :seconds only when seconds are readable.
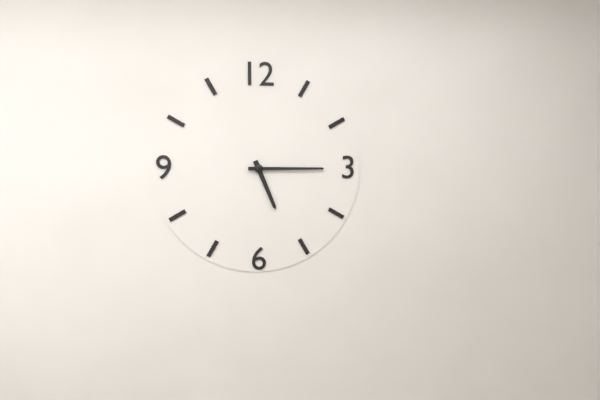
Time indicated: 5:15
